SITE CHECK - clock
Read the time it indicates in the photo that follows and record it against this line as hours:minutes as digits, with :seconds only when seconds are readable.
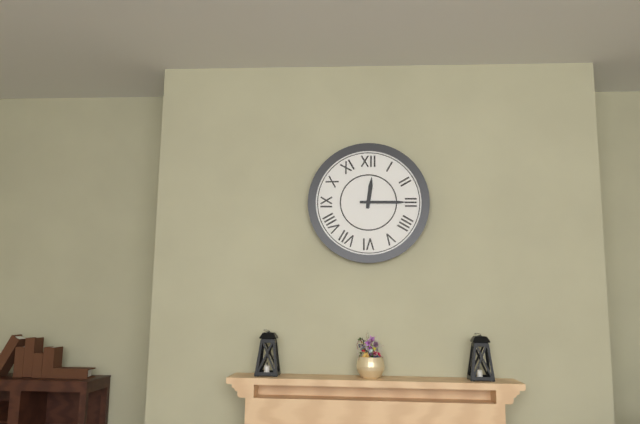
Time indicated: 12:15
